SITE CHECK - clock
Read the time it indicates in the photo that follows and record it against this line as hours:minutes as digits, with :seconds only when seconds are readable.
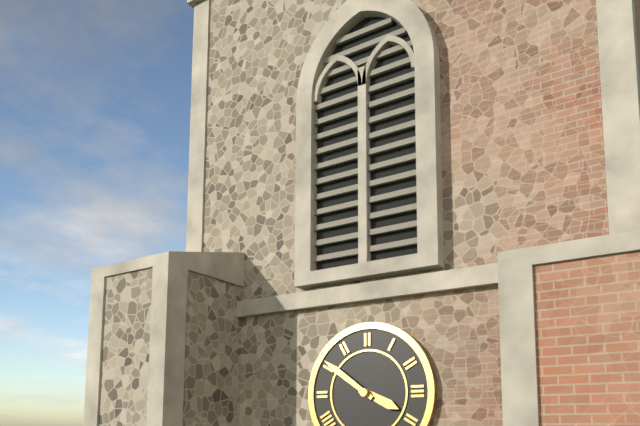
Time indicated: 3:51
